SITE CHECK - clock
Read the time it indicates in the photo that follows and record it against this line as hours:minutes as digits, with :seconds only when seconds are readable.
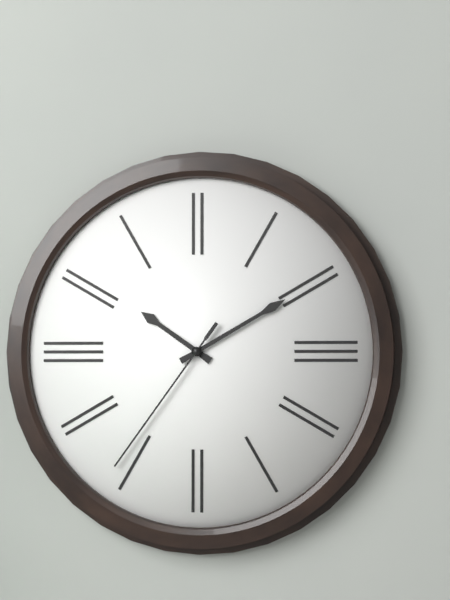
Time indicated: 10:10:36
